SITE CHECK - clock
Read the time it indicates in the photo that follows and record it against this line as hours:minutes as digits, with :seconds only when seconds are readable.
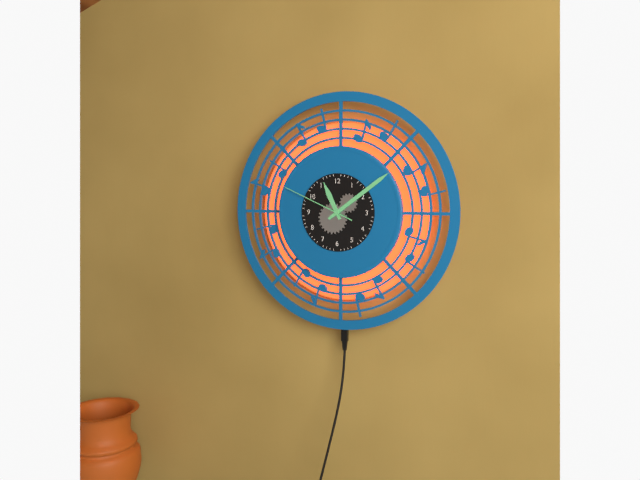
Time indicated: 11:09:49
